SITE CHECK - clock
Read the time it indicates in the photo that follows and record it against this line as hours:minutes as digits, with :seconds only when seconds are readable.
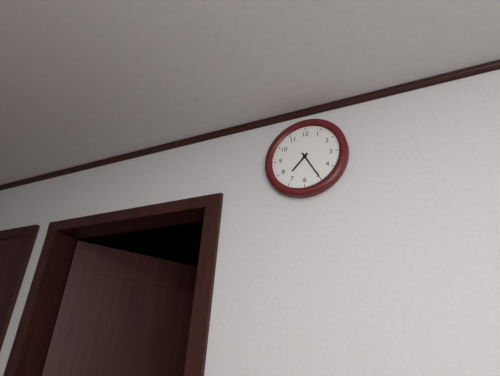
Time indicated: 7:25
